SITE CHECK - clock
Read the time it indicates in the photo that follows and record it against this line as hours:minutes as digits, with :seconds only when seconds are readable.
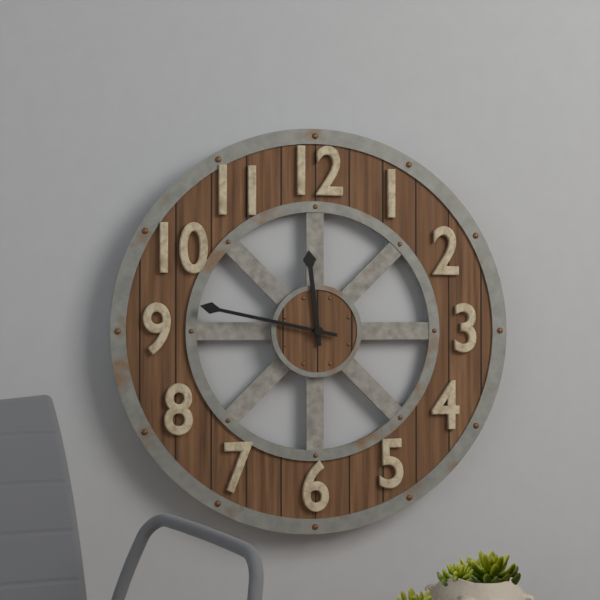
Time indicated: 11:47
